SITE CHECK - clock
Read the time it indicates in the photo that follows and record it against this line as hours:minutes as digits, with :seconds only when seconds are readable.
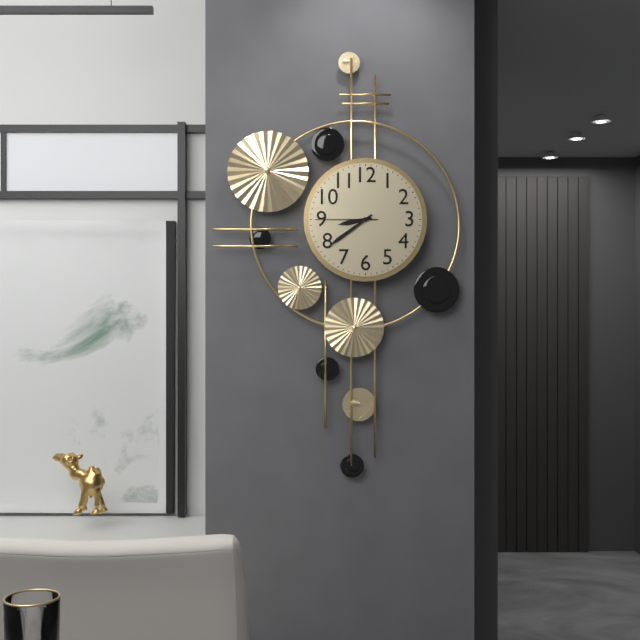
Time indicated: 8:39:45
